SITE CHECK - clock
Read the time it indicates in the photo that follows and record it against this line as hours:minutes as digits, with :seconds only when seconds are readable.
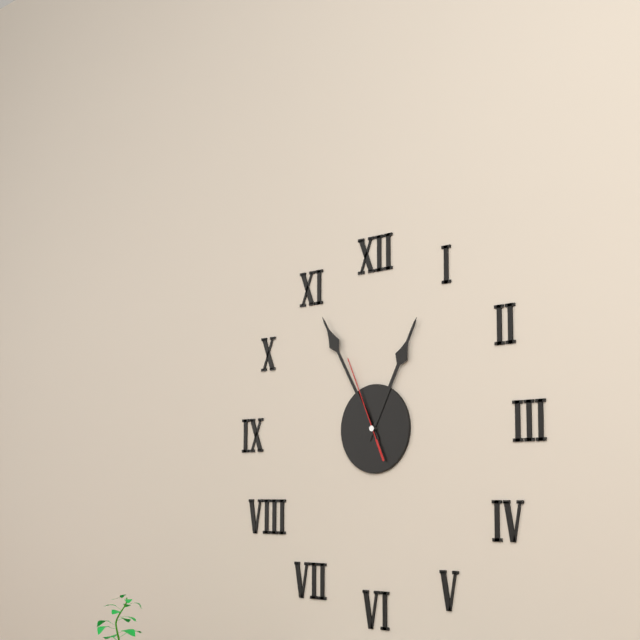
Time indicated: 12:55:56
